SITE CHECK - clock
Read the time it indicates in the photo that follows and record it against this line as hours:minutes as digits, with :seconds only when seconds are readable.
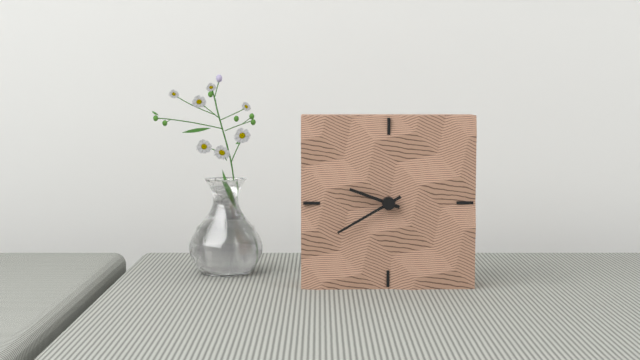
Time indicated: 9:40
